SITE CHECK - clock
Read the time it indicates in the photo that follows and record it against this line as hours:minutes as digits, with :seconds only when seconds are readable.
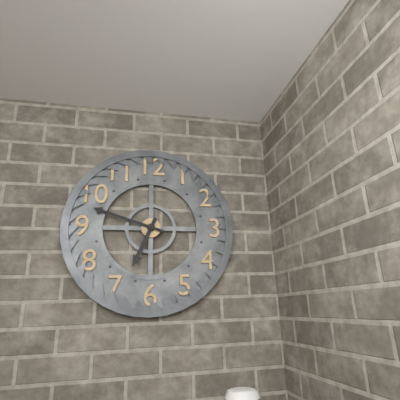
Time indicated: 6:48
